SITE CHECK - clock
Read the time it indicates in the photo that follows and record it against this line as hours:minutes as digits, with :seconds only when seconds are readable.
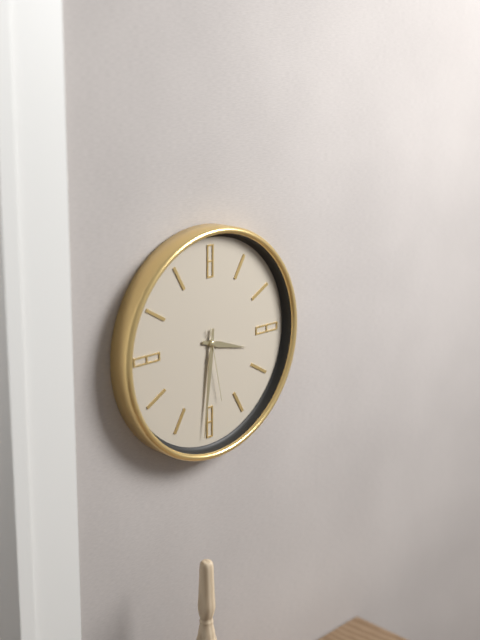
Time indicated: 3:31:28
